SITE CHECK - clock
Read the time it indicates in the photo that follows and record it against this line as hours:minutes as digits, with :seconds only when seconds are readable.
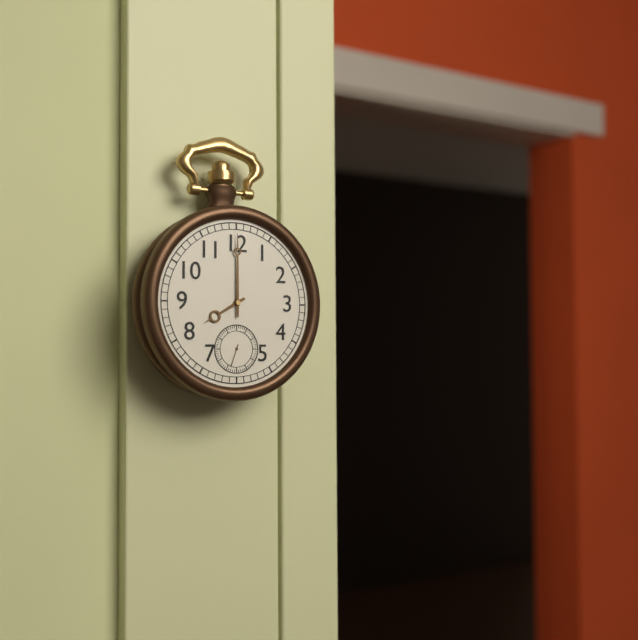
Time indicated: 8:00
